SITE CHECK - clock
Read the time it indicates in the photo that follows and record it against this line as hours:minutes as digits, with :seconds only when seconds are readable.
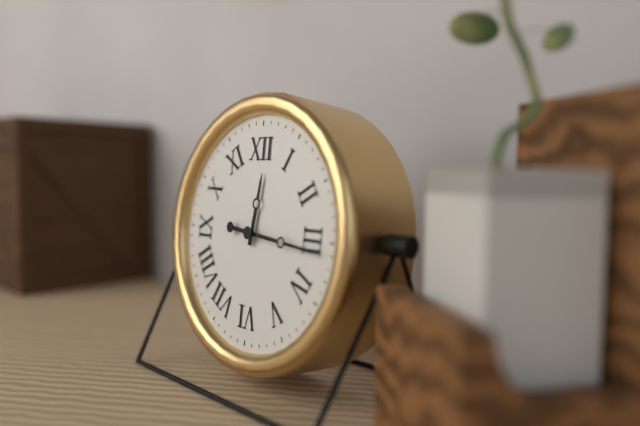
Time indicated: 12:16
